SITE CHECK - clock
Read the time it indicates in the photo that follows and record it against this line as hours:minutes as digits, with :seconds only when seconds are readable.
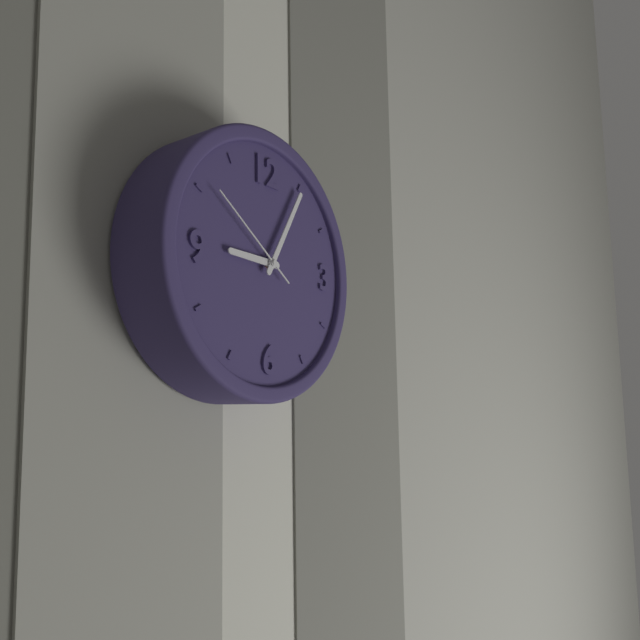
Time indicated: 9:05:51
